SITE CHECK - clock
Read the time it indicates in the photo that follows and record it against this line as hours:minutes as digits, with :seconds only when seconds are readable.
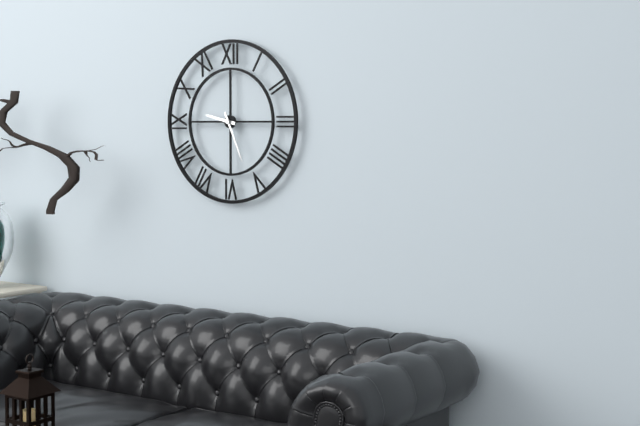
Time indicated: 9:26
